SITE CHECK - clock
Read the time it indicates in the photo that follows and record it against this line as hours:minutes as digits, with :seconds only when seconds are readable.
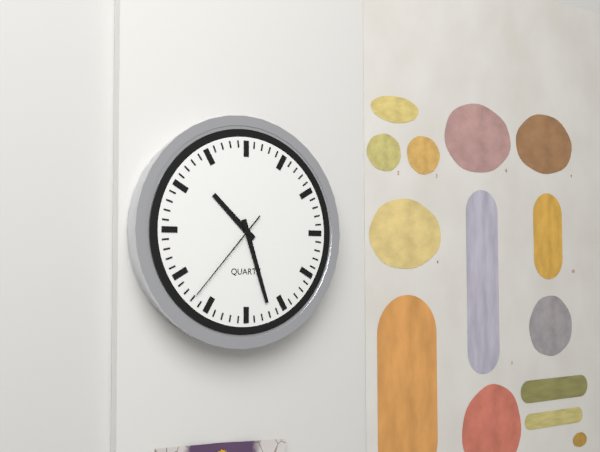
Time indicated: 10:27:37
